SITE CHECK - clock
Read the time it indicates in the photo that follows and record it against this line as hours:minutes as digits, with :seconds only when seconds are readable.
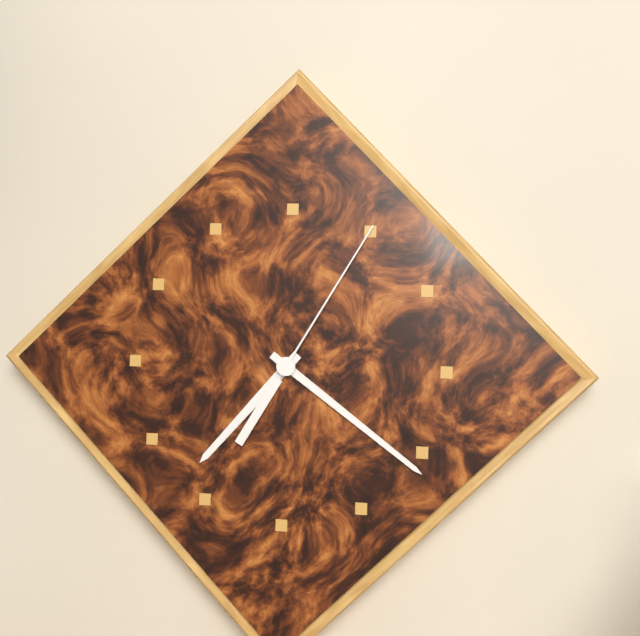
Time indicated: 7:21:05
